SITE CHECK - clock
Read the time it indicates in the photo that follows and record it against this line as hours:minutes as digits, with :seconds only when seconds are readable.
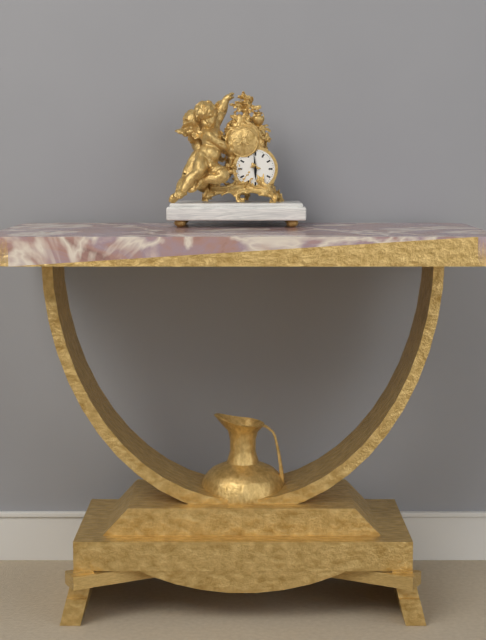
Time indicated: 5:59
